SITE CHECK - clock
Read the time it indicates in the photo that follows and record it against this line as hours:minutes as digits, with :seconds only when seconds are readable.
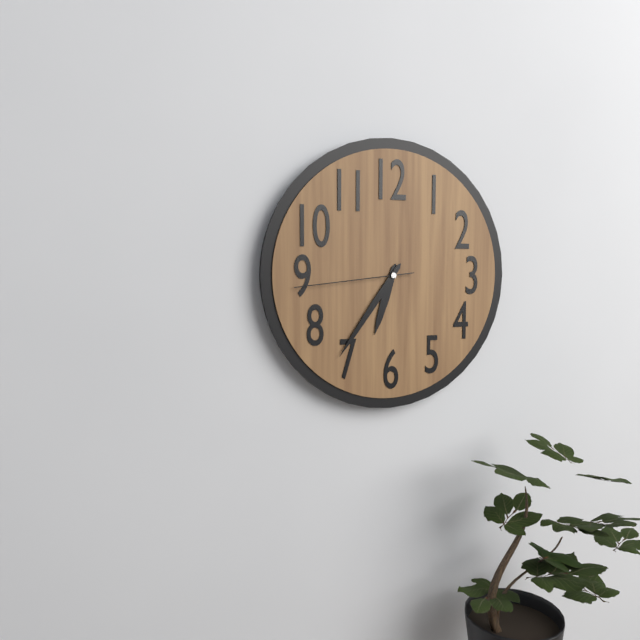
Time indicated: 6:36:44
